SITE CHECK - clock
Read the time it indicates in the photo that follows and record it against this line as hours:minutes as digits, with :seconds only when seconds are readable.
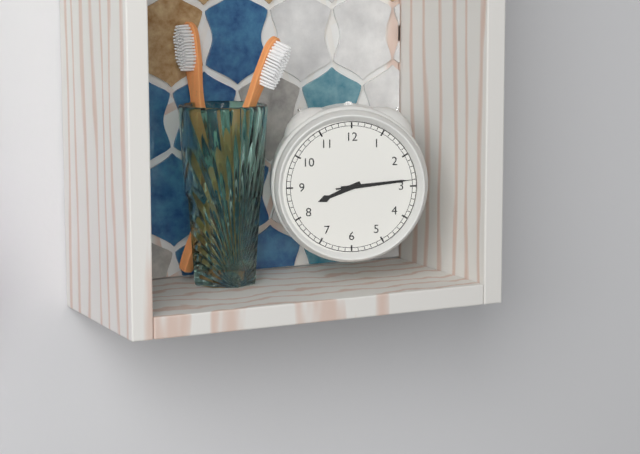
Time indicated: 8:14:14
